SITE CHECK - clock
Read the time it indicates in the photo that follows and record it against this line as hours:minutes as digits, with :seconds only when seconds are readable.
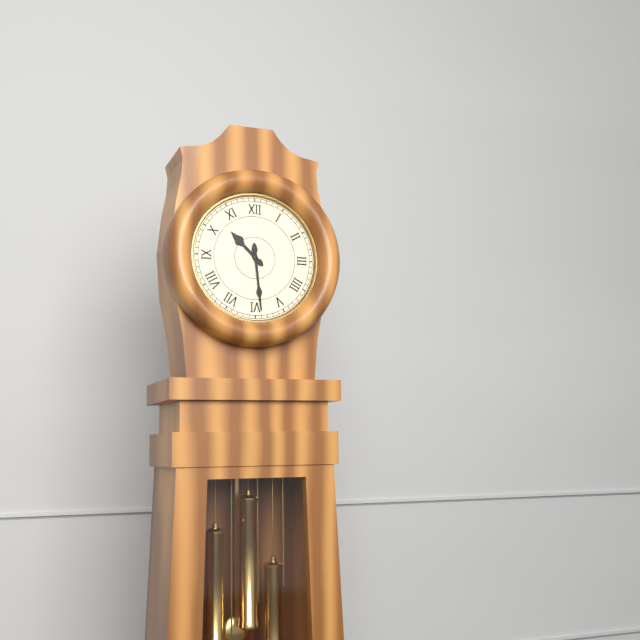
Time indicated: 10:29
